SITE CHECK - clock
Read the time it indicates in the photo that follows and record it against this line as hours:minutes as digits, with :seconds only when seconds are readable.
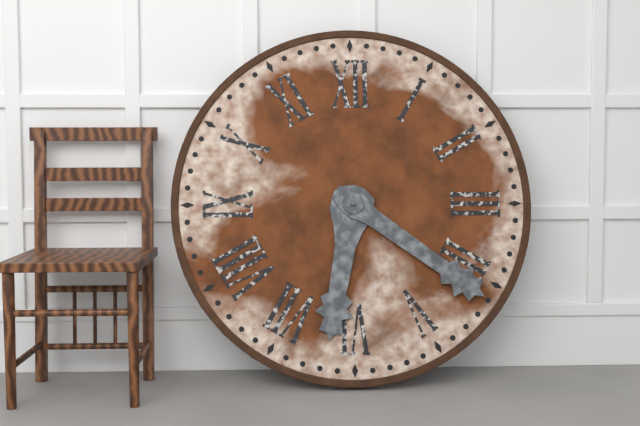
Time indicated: 6:21
